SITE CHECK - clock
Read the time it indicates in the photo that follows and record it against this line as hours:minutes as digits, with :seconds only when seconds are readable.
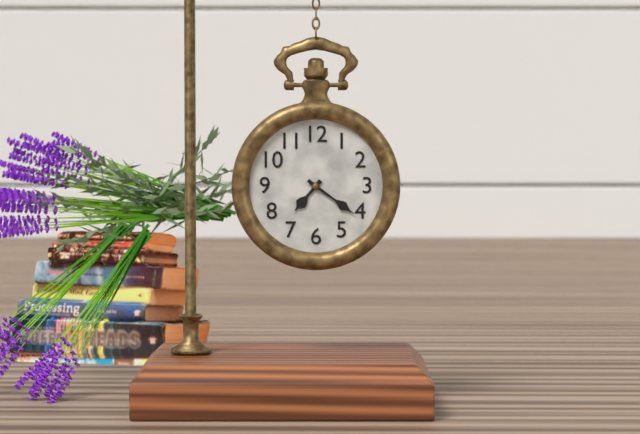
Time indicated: 7:21
